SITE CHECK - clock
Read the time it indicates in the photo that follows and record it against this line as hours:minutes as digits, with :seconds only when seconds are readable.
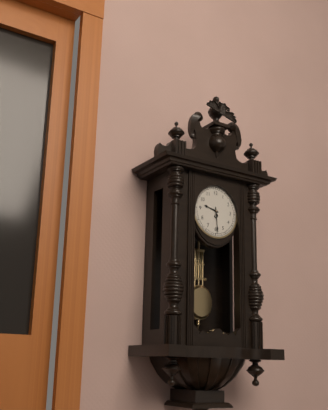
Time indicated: 9:29
